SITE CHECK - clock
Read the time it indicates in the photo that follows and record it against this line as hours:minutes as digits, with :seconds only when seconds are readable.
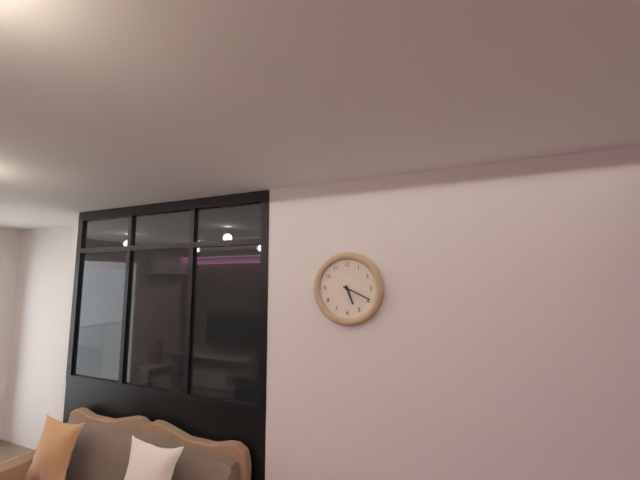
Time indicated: 5:19
